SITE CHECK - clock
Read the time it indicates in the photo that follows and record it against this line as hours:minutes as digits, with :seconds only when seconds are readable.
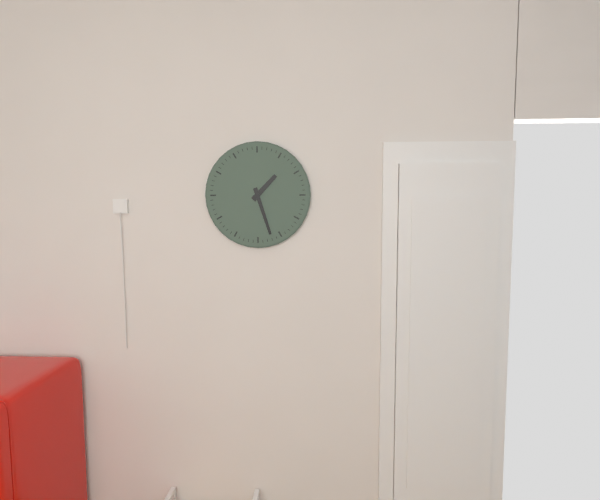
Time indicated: 1:27
